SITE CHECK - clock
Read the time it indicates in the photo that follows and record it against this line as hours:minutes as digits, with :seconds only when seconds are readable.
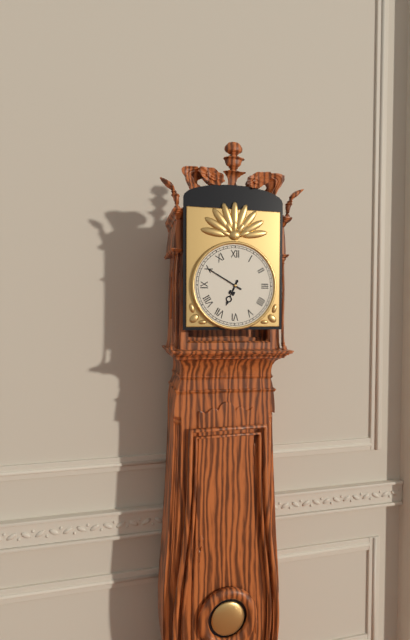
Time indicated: 6:50
